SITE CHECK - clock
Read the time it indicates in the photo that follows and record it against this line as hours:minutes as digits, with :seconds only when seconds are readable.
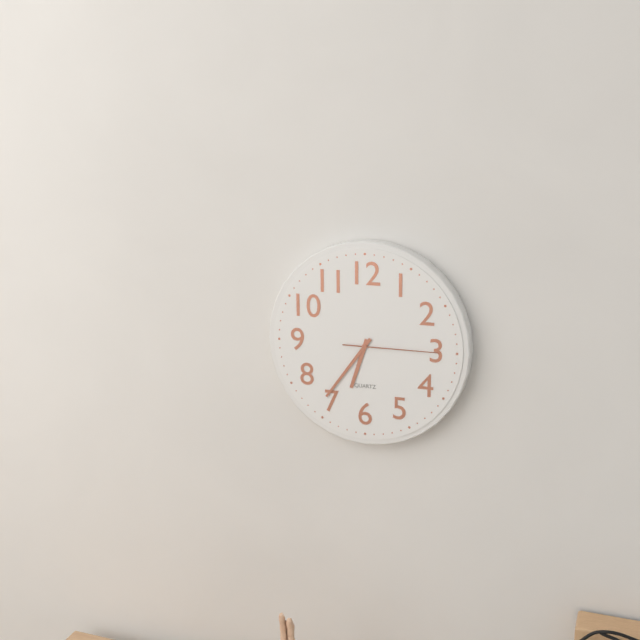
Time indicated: 6:36:15
